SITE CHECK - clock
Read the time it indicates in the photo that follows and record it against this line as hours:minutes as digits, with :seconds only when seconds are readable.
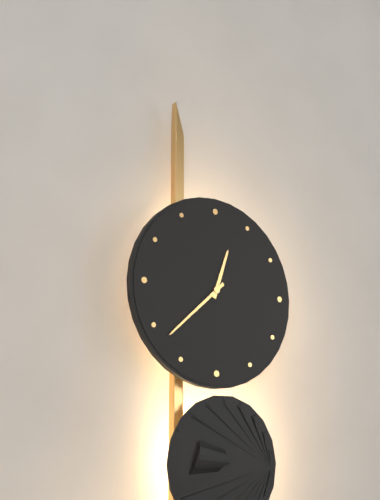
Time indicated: 12:38
